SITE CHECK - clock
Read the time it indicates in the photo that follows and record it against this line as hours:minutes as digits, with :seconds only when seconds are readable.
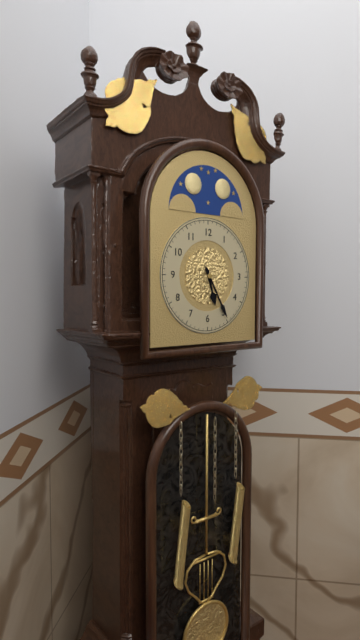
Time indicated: 5:25
